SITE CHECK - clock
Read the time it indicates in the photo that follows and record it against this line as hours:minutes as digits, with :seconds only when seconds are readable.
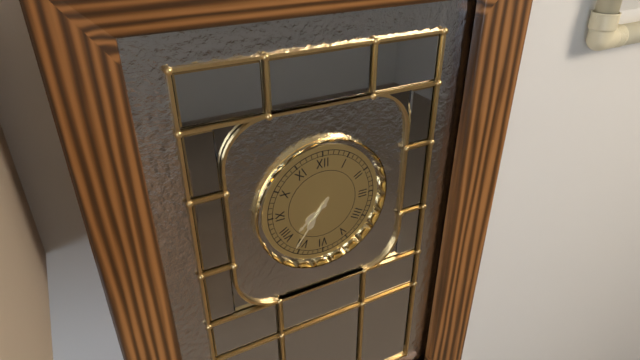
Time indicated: 7:36
